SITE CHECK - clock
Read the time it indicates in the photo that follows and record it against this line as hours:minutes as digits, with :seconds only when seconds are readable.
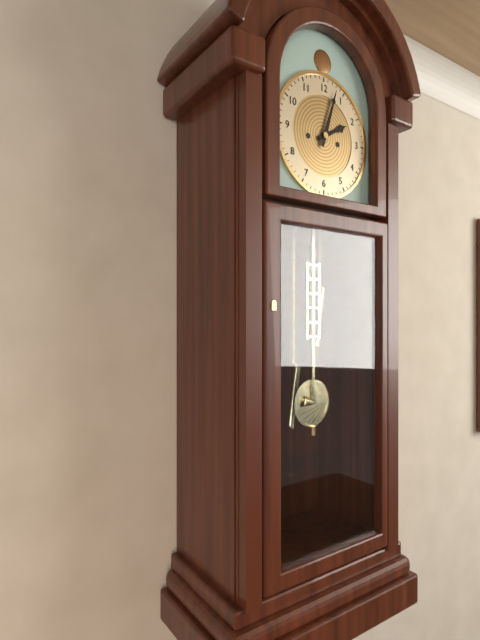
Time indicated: 2:03
